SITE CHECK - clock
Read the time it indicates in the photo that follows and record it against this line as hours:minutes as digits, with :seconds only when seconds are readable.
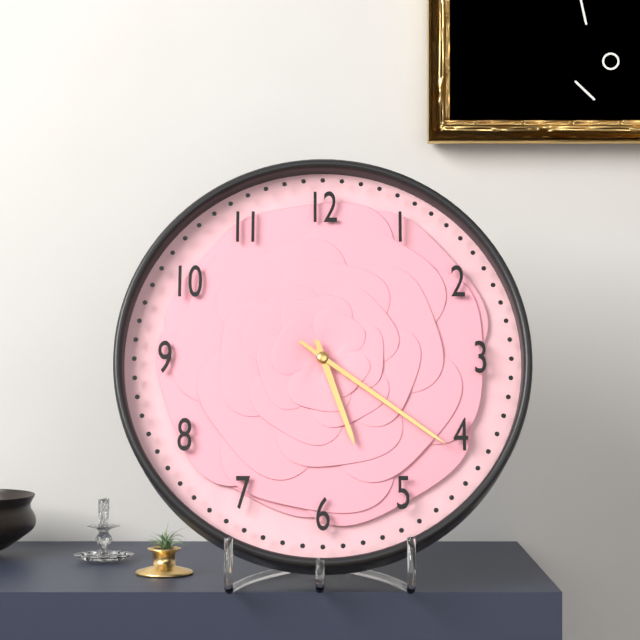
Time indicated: 5:21
